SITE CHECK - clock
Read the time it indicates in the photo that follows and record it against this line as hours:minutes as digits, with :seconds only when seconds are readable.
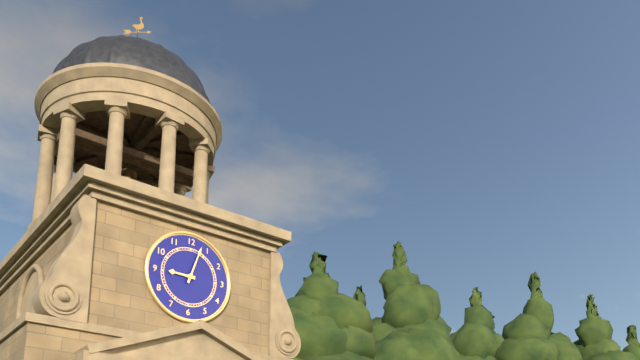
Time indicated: 9:03
